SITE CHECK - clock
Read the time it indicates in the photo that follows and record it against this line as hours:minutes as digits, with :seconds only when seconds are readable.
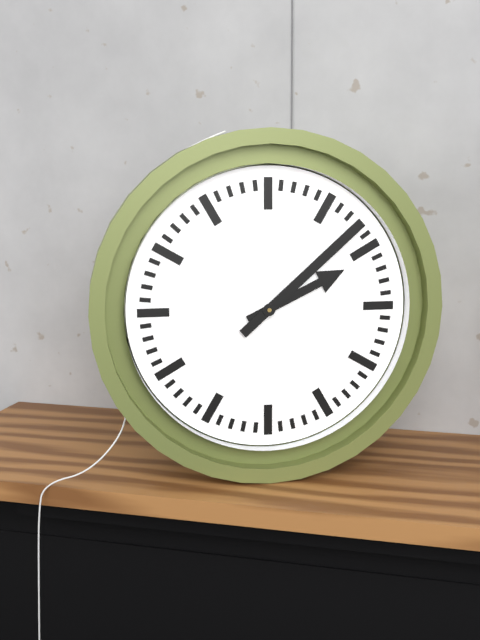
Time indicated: 2:08
